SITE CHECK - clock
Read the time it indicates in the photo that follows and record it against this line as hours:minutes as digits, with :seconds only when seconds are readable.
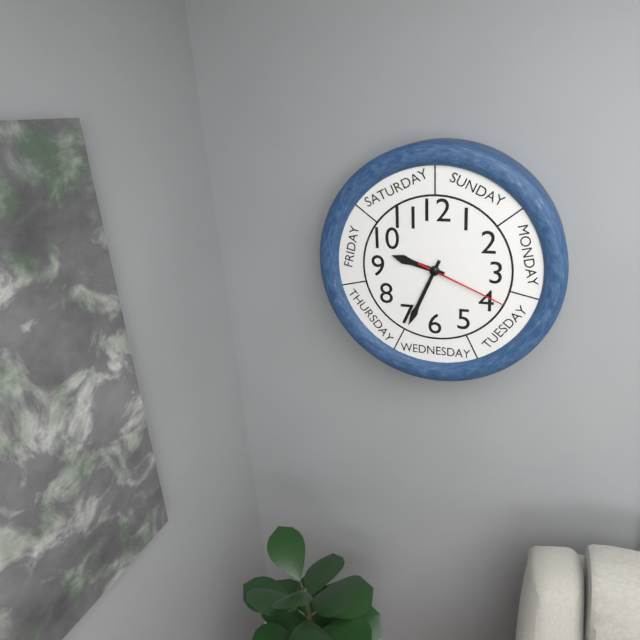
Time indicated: 9:34:19
